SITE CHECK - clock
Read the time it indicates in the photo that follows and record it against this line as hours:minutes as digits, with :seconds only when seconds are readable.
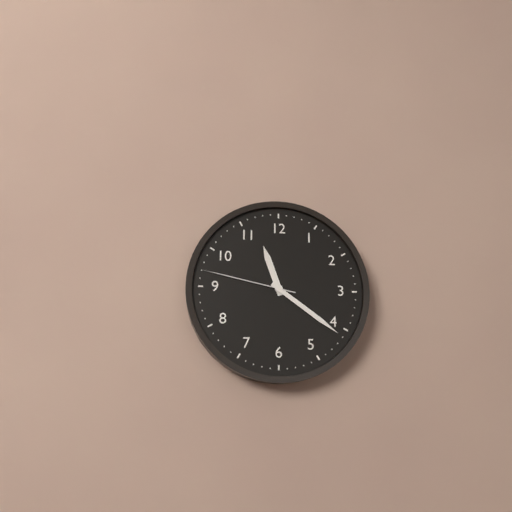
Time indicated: 11:21:47
